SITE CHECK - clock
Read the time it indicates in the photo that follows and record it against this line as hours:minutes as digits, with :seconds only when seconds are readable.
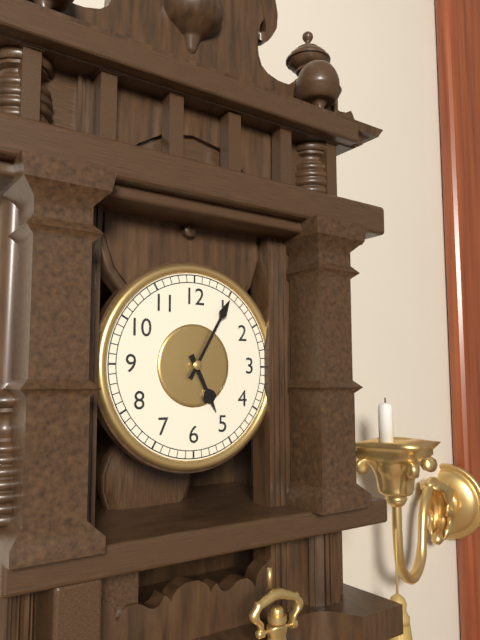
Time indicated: 5:05
